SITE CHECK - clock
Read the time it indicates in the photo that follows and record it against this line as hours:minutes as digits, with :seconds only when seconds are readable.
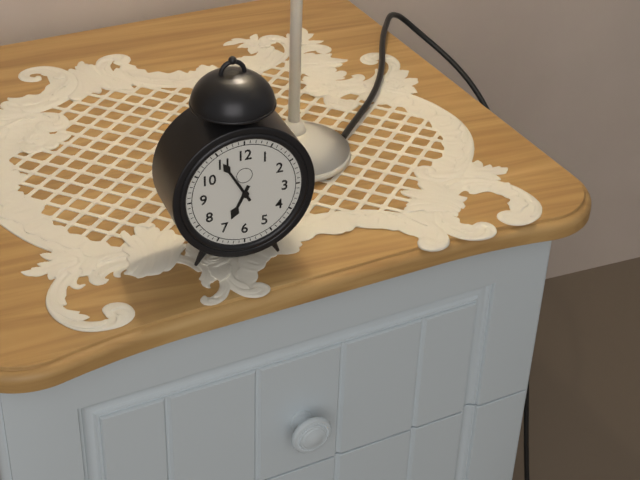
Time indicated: 6:55
